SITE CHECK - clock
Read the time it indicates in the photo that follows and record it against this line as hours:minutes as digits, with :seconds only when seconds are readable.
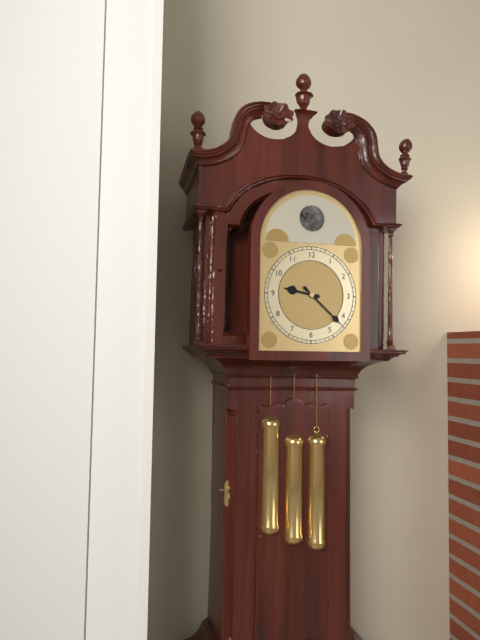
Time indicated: 9:22
